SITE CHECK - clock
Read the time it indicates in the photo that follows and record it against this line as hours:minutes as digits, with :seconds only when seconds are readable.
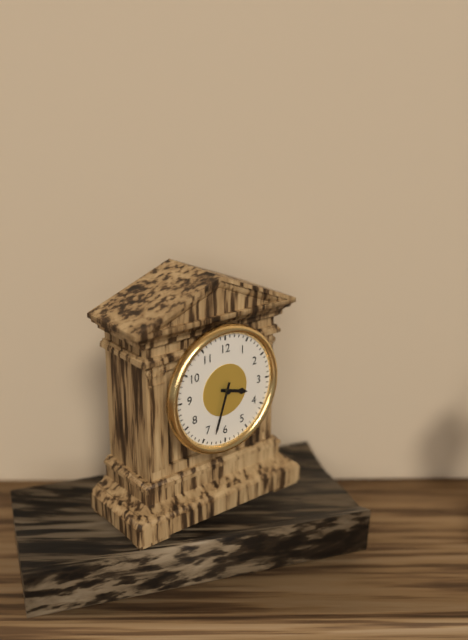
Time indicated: 3:33
